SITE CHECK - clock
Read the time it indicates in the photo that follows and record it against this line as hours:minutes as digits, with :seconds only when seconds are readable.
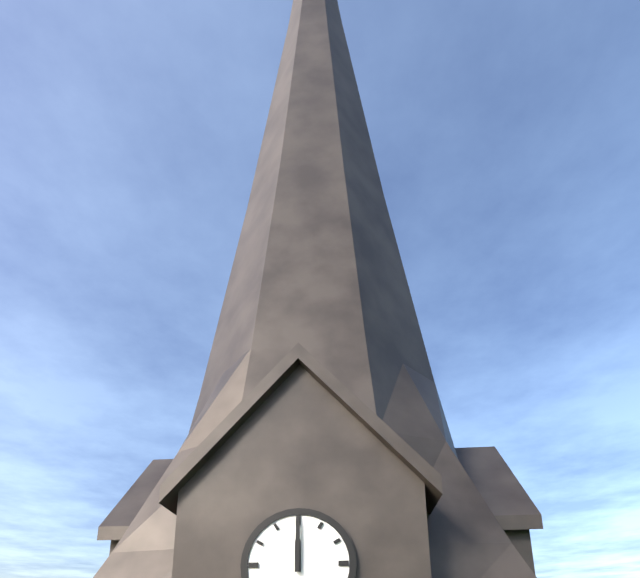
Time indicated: 12:00
